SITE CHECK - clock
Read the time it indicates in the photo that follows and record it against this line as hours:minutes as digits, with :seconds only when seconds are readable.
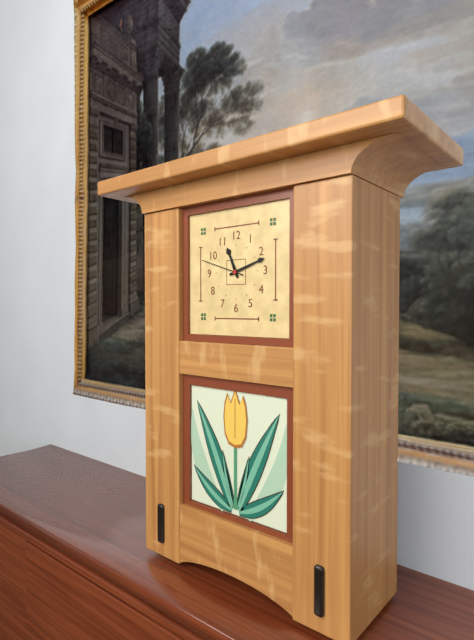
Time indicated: 11:12
